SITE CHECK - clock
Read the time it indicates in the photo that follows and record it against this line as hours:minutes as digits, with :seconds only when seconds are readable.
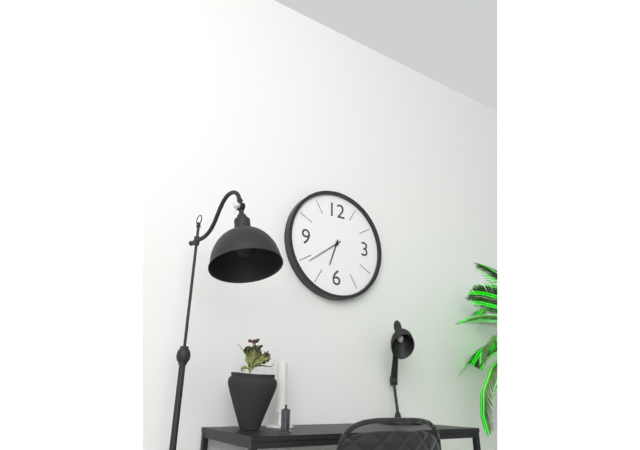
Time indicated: 6:39
